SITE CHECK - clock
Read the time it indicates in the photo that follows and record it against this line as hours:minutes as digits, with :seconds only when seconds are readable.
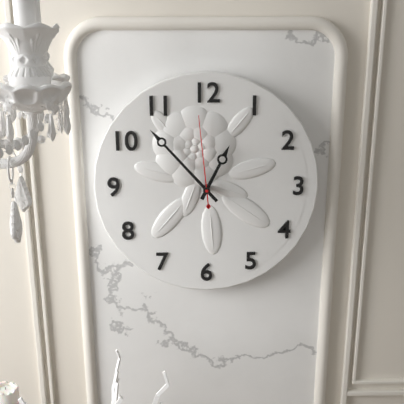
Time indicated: 12:53:59
